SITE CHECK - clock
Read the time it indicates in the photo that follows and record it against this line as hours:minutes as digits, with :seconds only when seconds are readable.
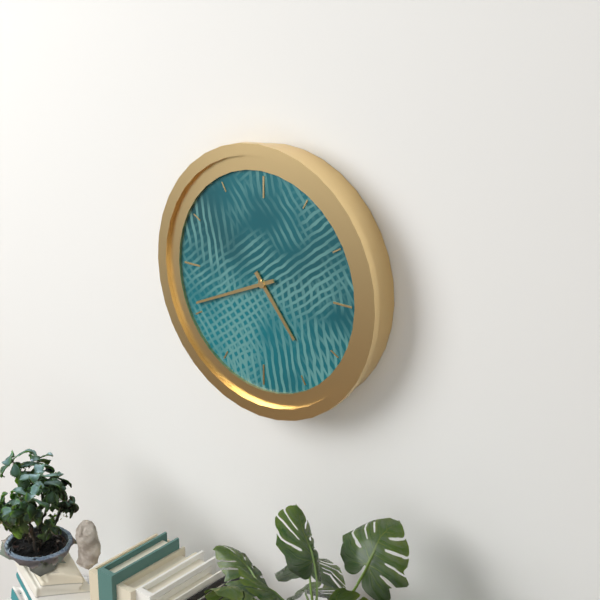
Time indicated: 4:41
